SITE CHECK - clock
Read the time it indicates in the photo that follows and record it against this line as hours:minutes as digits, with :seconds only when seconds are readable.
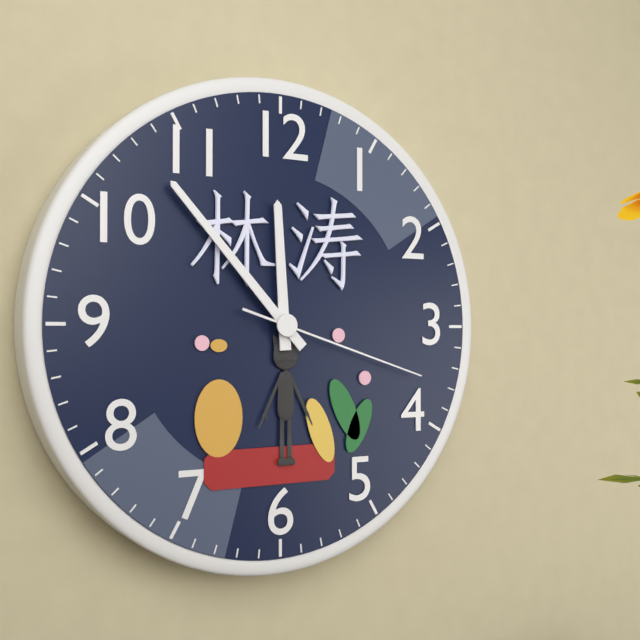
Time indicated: 11:53:18
